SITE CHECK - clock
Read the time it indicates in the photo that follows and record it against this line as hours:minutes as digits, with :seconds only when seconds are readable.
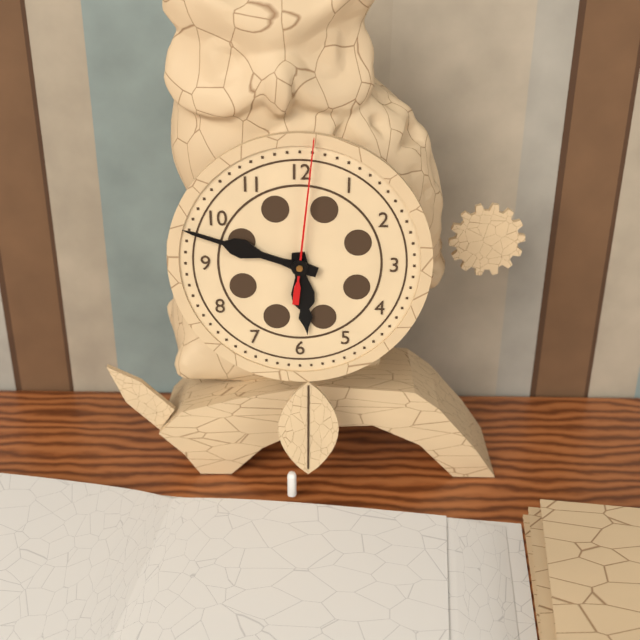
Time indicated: 5:48:01
